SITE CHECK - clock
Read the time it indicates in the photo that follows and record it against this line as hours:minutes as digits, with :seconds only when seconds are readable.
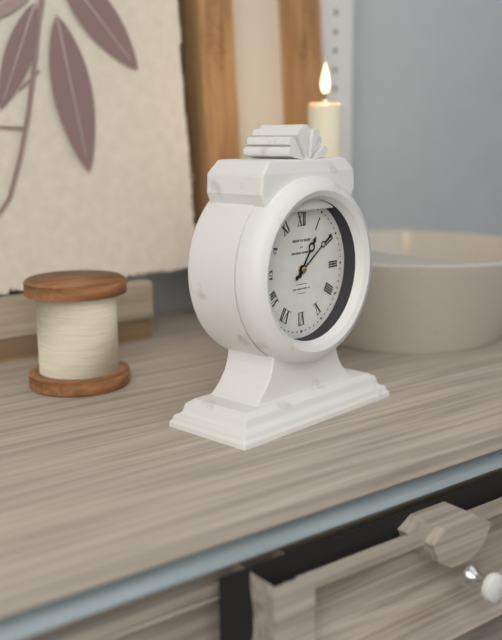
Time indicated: 1:09
